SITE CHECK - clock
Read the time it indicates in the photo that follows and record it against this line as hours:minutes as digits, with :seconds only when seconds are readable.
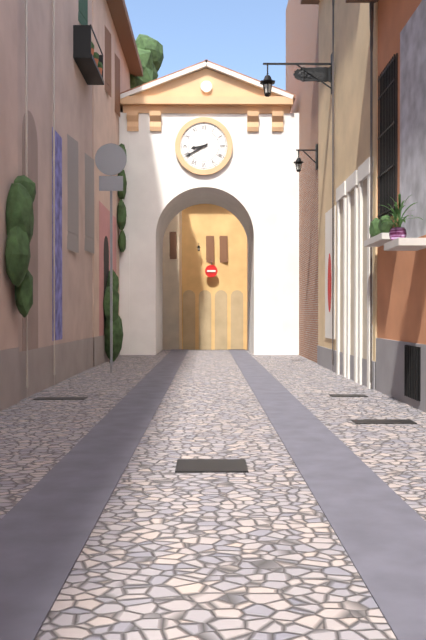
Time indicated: 8:40
